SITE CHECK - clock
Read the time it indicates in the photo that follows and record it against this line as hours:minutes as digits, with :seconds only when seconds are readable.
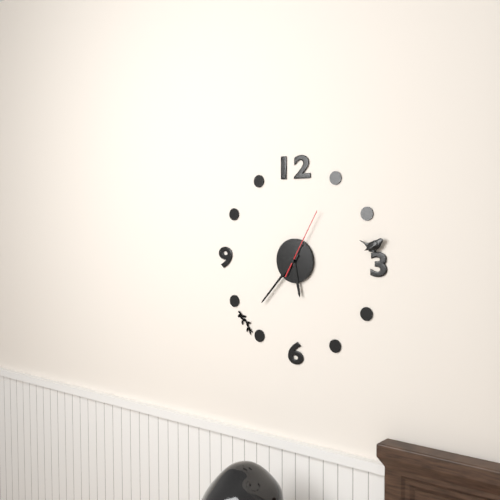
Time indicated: 5:37:05
